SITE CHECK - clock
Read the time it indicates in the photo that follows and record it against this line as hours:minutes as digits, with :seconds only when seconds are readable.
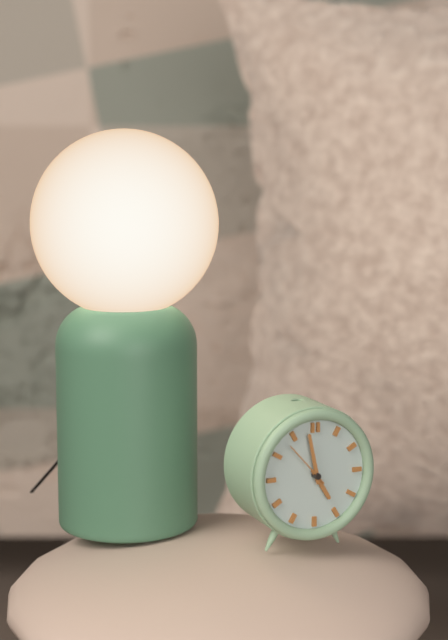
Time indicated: 4:58
